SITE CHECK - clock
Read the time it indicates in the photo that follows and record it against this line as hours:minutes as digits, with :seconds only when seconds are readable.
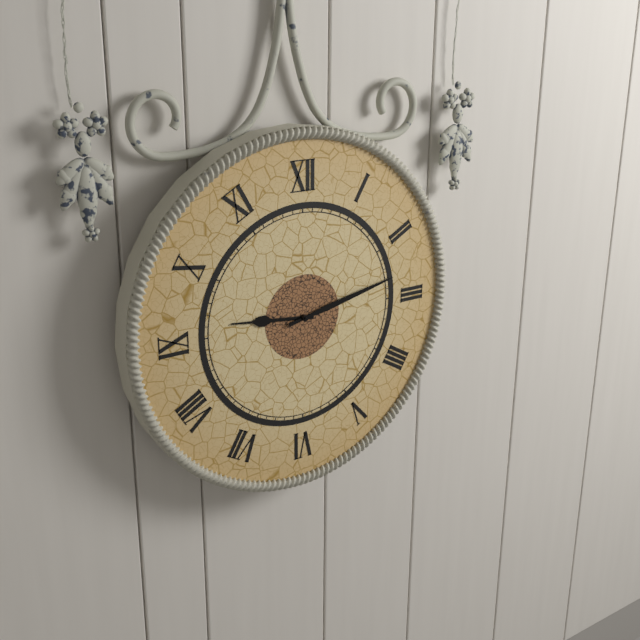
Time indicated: 9:13
